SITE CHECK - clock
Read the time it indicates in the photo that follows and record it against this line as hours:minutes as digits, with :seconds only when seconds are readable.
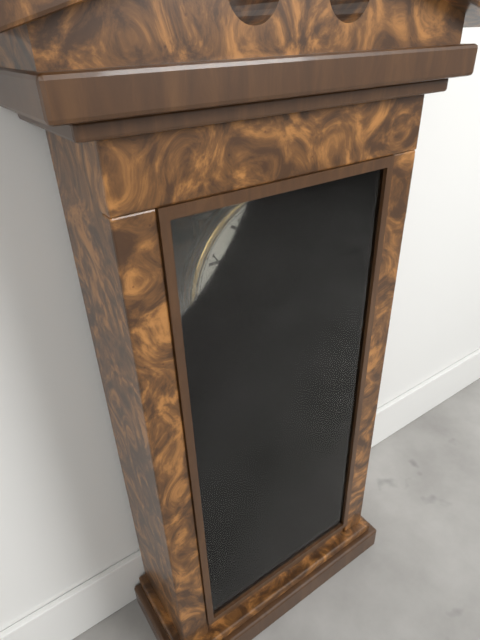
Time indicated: 8:03
